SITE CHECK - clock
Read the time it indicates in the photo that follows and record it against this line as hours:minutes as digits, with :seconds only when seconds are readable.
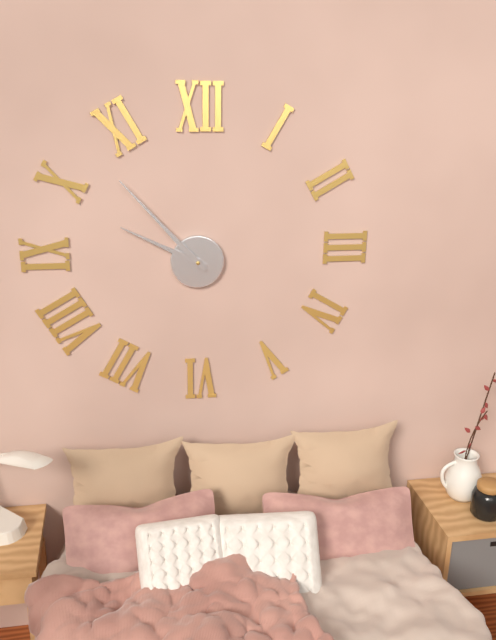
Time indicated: 9:53
